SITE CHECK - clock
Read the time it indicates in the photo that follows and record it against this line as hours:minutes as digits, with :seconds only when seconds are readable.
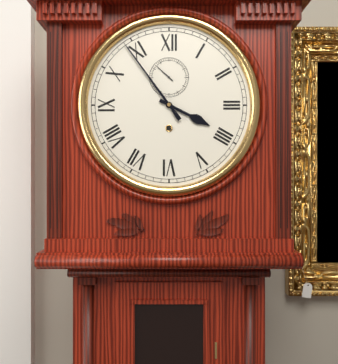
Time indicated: 3:54
